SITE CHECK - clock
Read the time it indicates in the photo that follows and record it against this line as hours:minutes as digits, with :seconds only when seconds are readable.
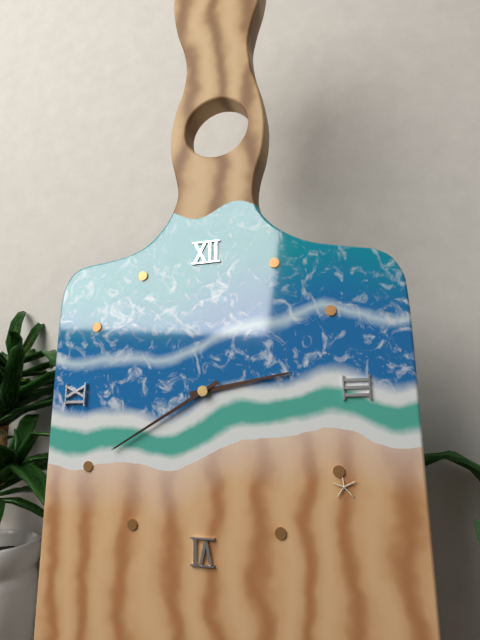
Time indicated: 2:40
